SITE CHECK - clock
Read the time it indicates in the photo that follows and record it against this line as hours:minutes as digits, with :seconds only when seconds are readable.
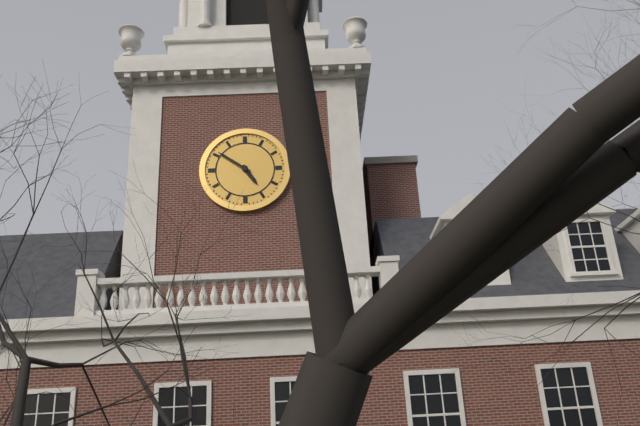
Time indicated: 4:51
